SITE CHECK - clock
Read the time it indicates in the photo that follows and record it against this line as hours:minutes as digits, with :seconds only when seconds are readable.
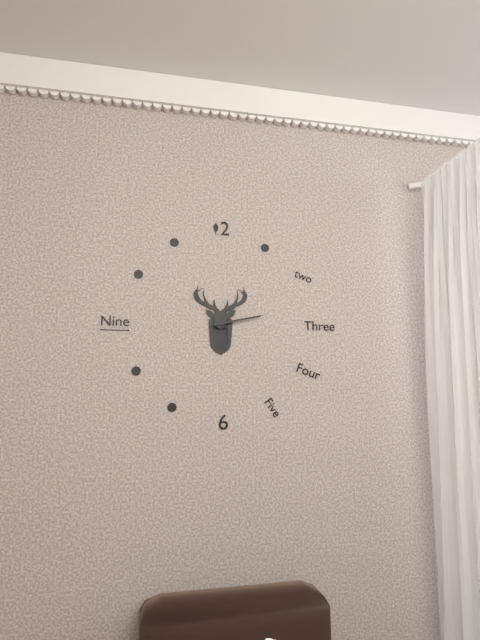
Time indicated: 1:13
